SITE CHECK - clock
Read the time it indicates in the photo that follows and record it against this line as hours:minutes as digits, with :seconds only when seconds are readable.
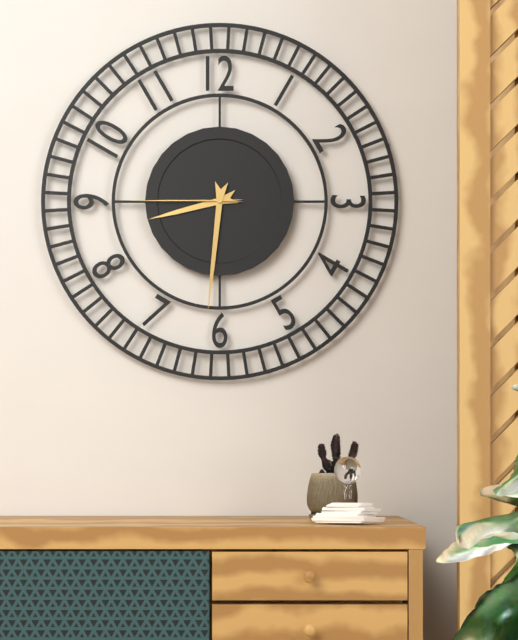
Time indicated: 8:31:45
